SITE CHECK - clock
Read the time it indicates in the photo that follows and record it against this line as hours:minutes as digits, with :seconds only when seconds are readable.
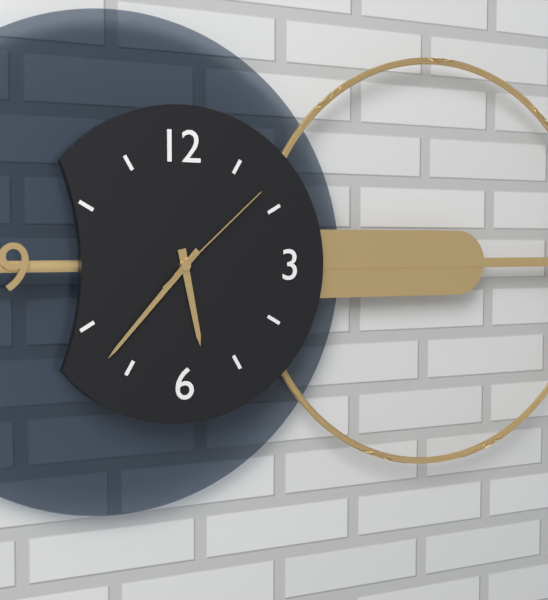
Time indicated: 5:37:08
